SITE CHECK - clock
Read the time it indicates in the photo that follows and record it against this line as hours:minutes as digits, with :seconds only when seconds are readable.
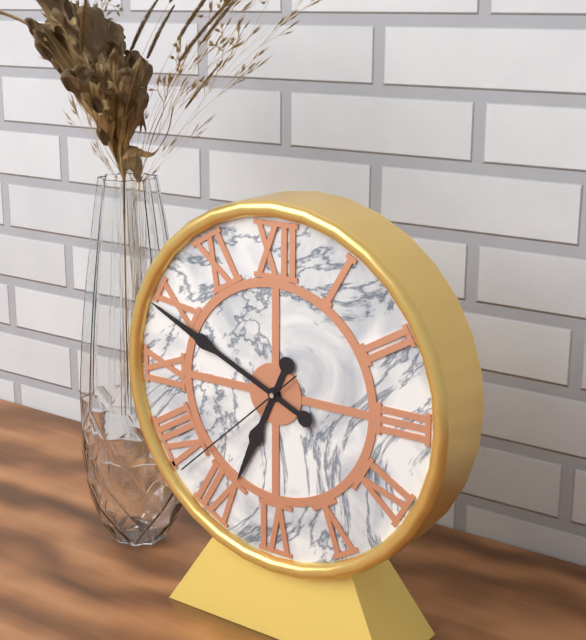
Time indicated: 6:49:38
